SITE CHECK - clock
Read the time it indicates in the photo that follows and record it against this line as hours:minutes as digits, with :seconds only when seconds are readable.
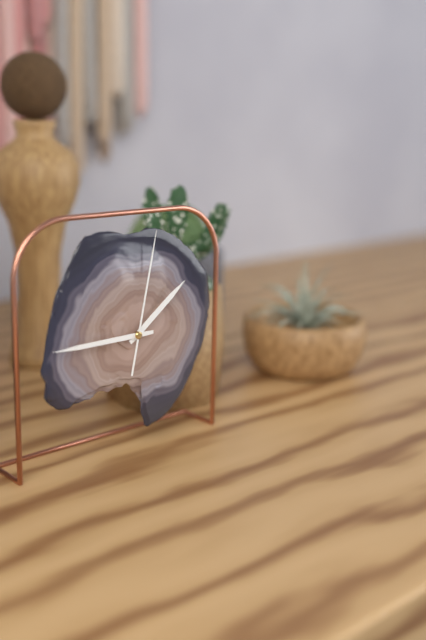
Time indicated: 1:45:02
